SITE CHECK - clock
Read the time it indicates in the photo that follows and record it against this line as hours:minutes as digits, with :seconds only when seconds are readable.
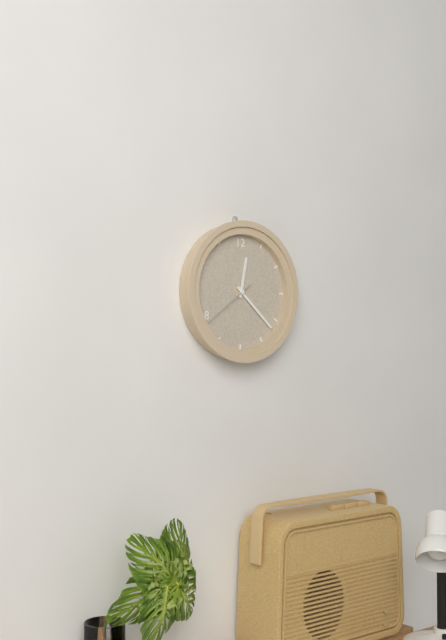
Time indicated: 12:22:39
